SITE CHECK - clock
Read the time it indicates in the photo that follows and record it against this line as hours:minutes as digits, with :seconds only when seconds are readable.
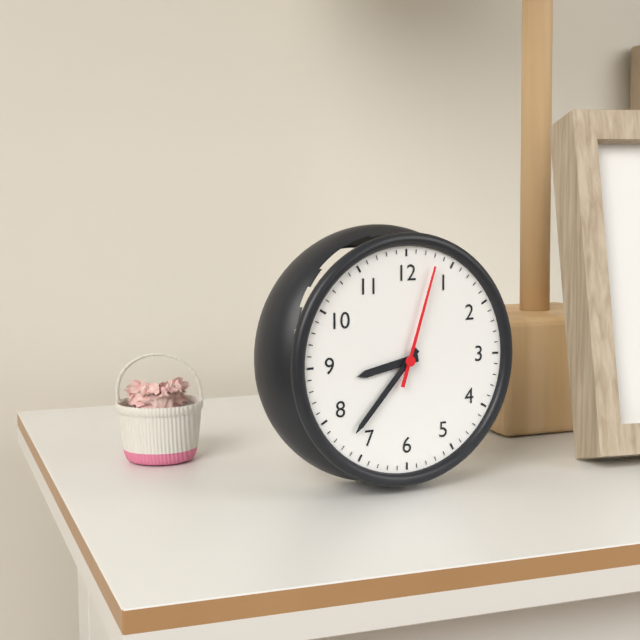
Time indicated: 8:37:03
